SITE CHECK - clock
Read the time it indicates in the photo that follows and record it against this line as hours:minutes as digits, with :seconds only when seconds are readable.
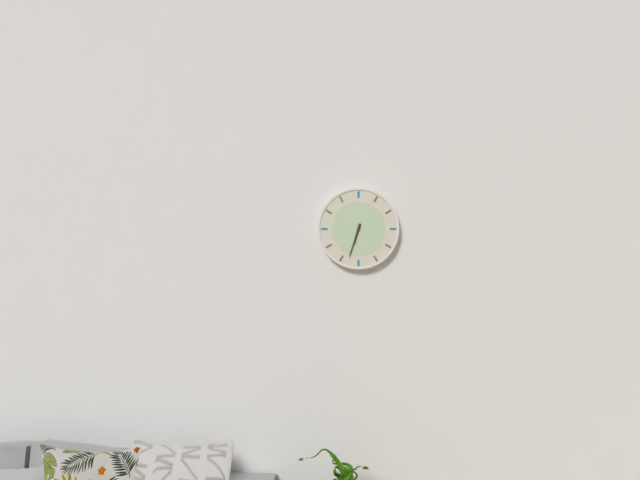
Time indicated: 6:33
